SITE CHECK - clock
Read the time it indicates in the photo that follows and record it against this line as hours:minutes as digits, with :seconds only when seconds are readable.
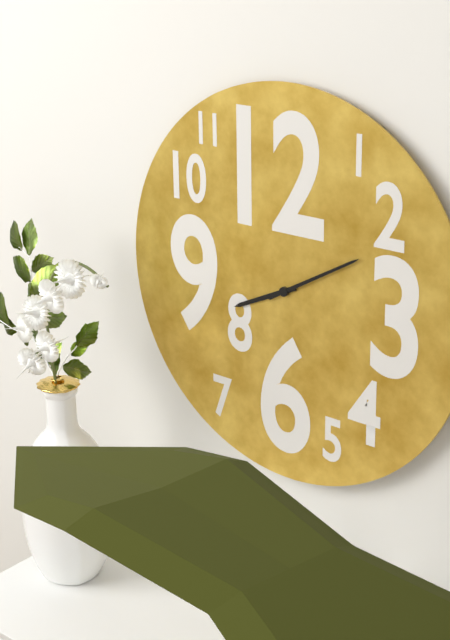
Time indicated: 8:10
